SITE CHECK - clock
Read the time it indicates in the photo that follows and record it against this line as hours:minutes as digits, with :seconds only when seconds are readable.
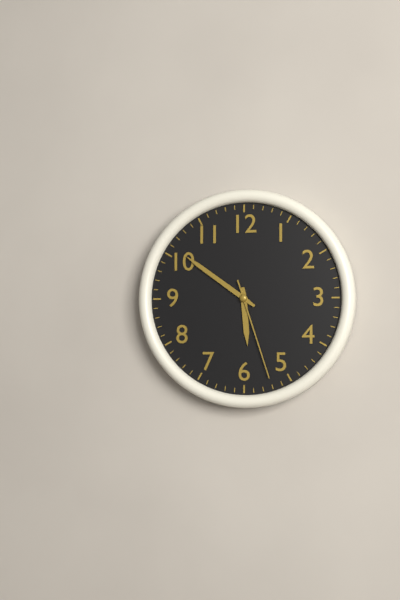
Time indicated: 5:51:27
